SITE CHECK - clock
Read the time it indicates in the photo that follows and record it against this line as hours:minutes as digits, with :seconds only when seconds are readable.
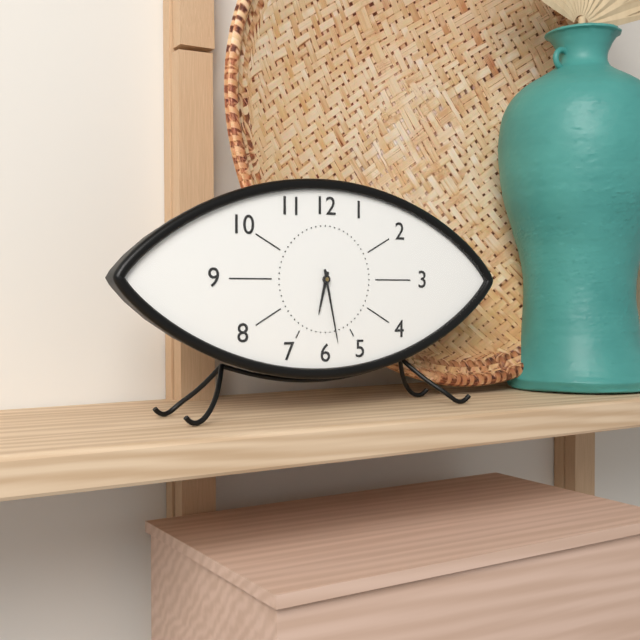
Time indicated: 6:28
